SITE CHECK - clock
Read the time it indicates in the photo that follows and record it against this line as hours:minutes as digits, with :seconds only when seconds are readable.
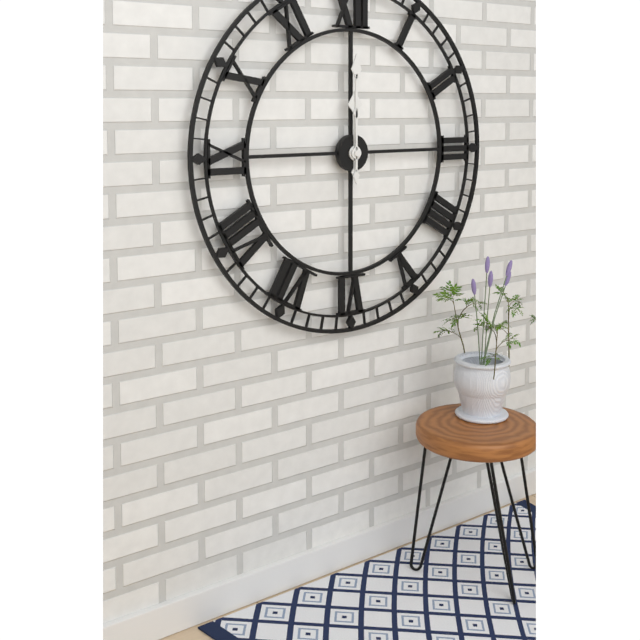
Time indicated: 12:00
